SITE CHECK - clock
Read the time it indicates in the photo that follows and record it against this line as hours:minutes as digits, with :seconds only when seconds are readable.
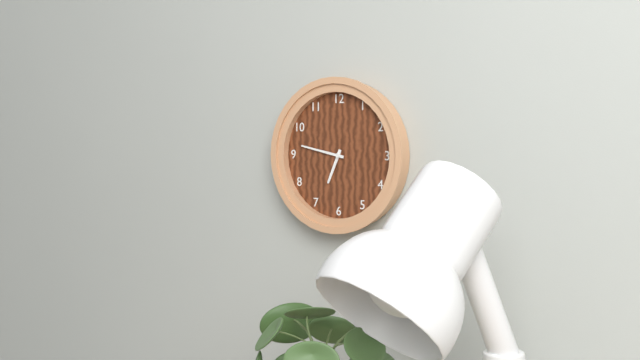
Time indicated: 6:47
